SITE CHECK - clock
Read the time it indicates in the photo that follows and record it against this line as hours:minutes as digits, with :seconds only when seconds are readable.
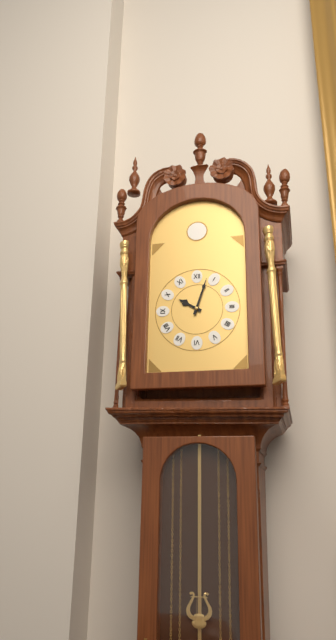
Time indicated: 10:03
